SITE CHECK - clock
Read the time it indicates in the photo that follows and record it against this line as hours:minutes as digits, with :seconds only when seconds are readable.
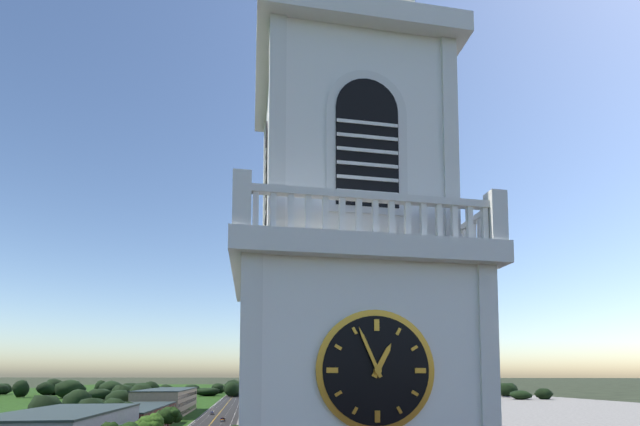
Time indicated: 12:56
